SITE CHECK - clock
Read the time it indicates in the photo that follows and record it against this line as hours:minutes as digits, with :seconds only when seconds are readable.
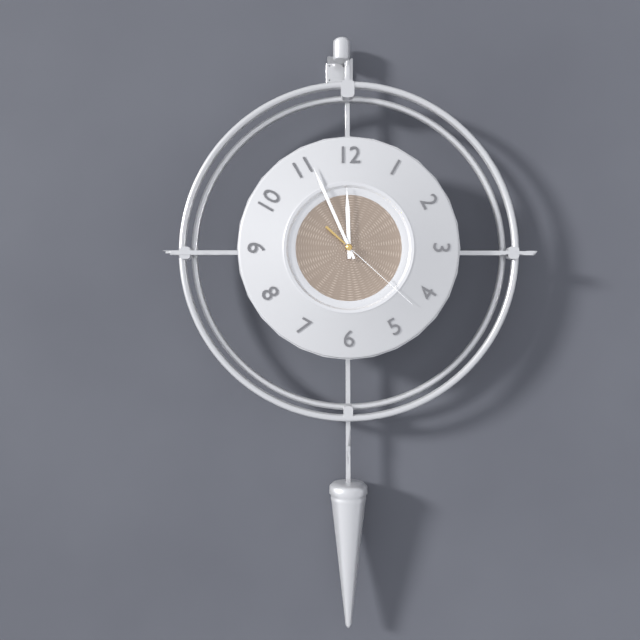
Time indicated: 11:56:22
